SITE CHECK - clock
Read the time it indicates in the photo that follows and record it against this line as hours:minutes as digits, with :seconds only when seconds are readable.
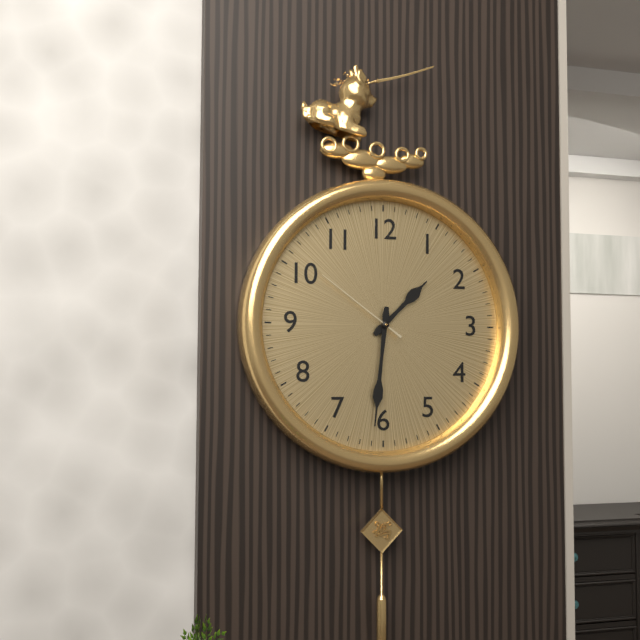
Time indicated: 1:31:51
